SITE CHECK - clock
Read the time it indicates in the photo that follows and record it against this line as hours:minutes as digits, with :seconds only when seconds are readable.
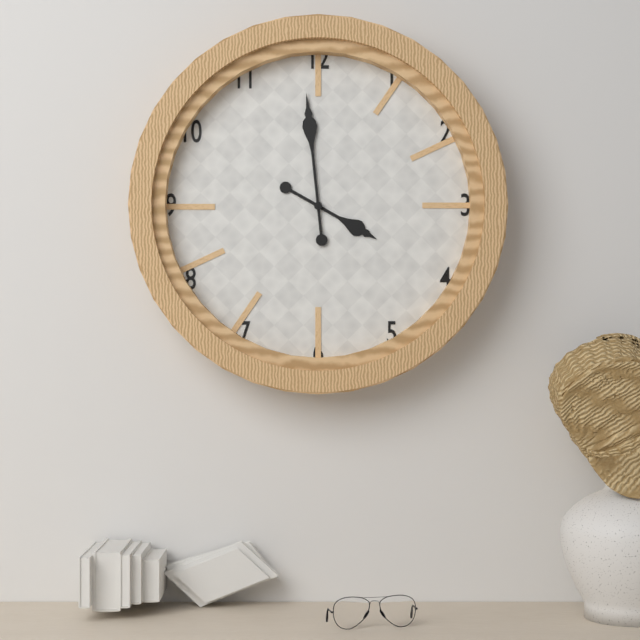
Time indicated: 3:59
